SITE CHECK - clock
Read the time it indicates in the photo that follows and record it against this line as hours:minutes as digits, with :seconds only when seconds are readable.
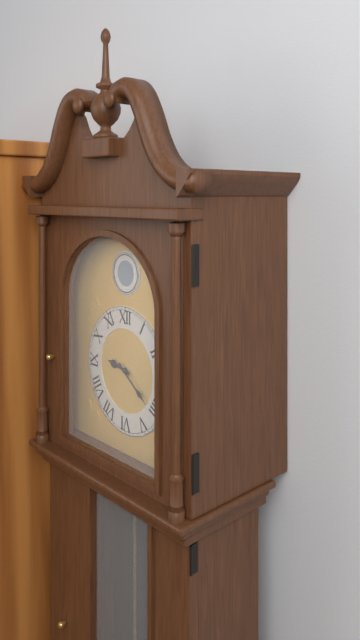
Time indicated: 9:21
